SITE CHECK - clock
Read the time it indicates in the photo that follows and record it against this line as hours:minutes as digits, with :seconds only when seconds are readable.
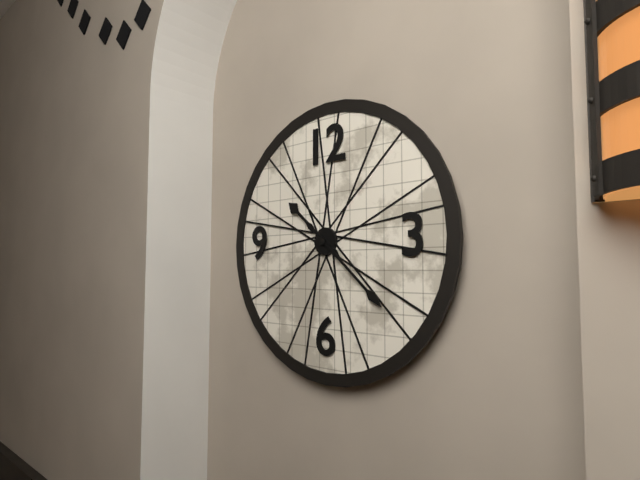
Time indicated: 10:22
